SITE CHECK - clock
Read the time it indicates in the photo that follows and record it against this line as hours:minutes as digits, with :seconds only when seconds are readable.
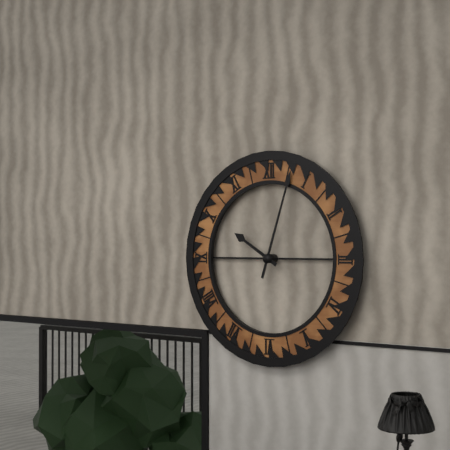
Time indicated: 10:03
